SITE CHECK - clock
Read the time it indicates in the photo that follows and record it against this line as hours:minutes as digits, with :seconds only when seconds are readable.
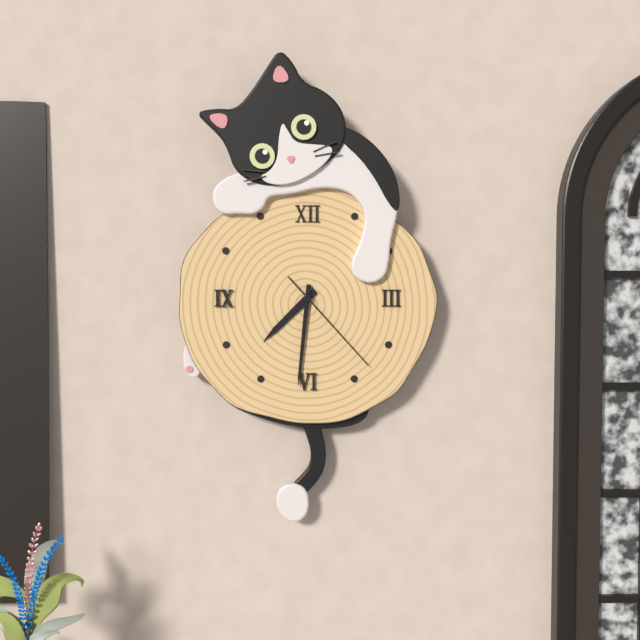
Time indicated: 7:31:23
